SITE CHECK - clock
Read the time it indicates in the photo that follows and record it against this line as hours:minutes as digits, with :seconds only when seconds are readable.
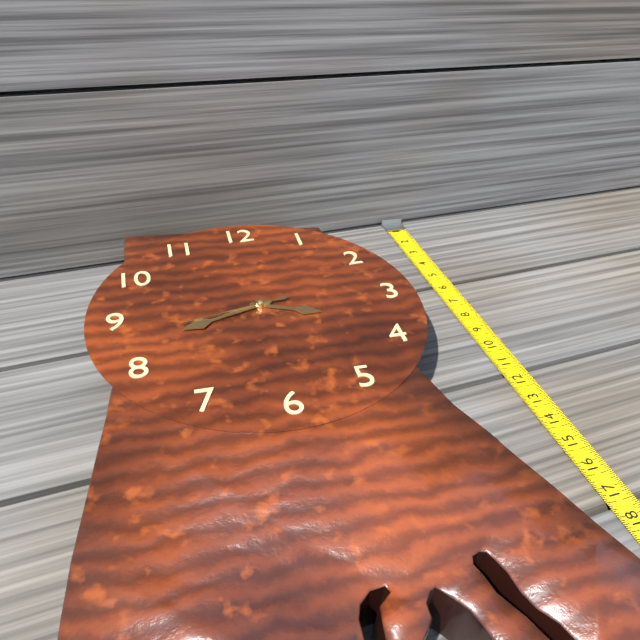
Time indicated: 3:42:43
